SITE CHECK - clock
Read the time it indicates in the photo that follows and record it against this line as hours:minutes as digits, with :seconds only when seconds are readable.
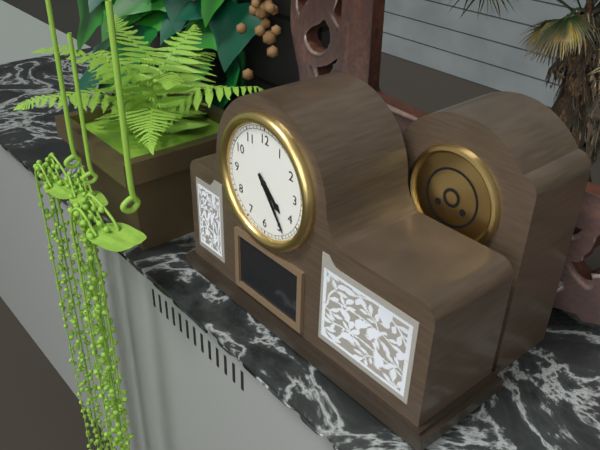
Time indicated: 4:24
